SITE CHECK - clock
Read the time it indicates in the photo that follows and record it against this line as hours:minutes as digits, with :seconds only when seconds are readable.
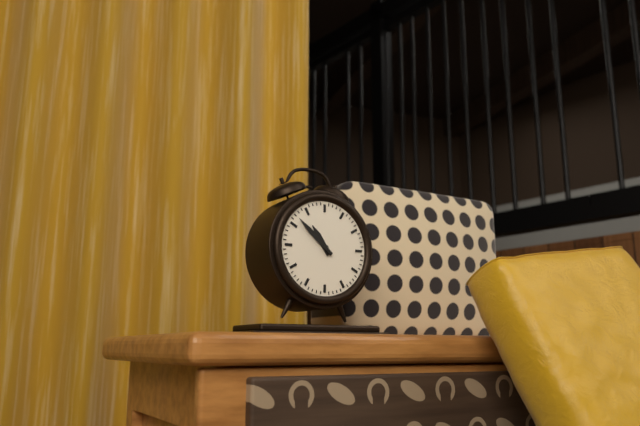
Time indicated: 10:52
